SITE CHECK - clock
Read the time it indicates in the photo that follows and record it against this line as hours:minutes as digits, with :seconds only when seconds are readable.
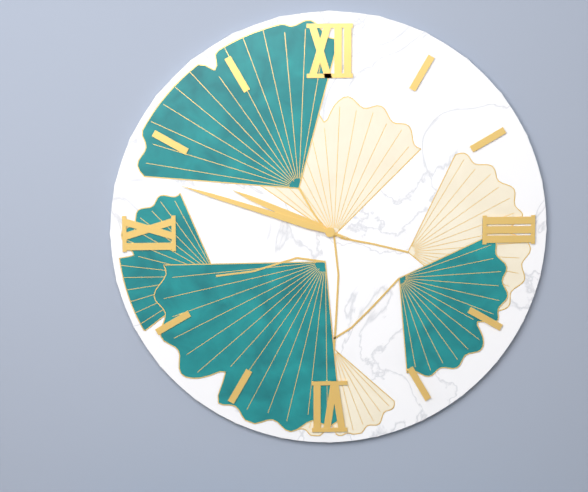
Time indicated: 9:48
